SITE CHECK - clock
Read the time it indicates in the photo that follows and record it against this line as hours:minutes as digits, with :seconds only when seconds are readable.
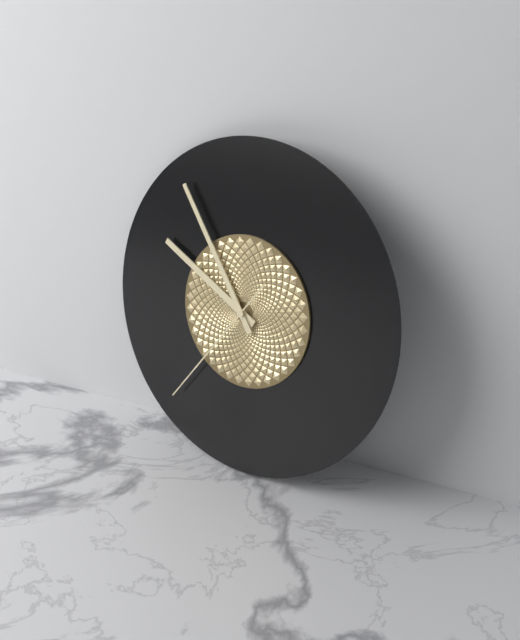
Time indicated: 9:54:36
